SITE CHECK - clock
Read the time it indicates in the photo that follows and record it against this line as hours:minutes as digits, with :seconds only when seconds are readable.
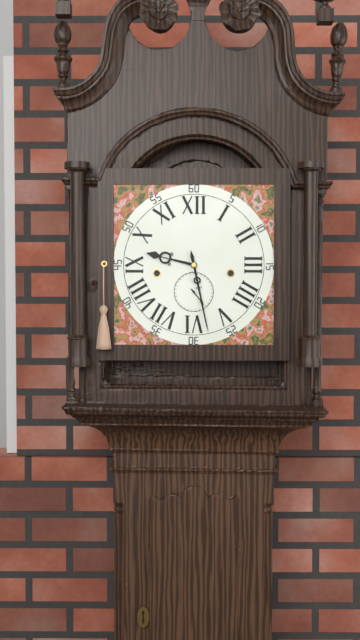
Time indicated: 9:28
